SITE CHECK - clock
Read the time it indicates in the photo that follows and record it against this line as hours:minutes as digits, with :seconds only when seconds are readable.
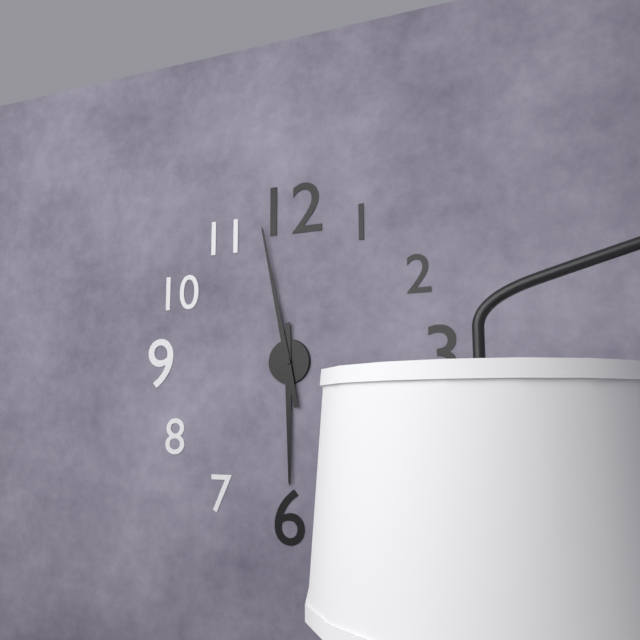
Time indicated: 5:58
